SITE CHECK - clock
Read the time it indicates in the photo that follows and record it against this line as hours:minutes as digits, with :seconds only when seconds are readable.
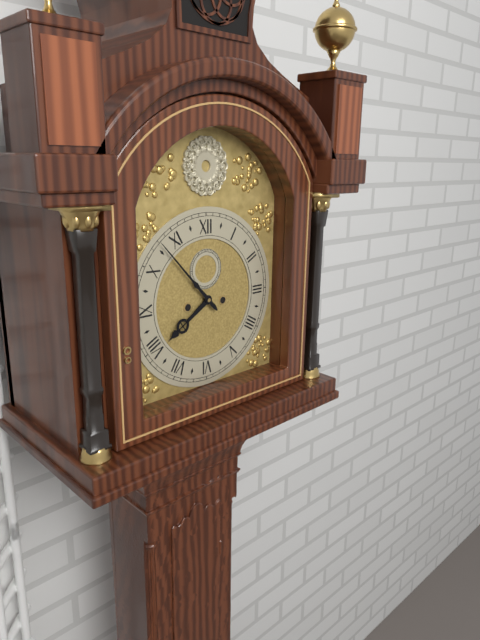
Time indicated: 7:53
